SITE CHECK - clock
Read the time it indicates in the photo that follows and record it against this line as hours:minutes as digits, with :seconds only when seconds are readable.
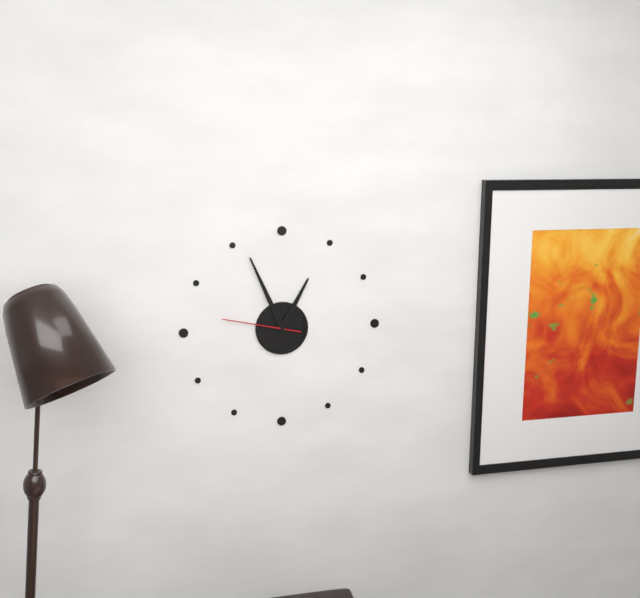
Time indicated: 12:56:47
